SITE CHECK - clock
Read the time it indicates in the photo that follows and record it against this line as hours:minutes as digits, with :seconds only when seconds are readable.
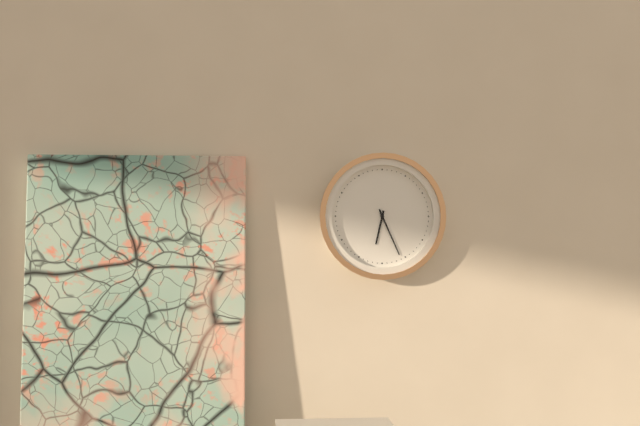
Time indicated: 6:26
